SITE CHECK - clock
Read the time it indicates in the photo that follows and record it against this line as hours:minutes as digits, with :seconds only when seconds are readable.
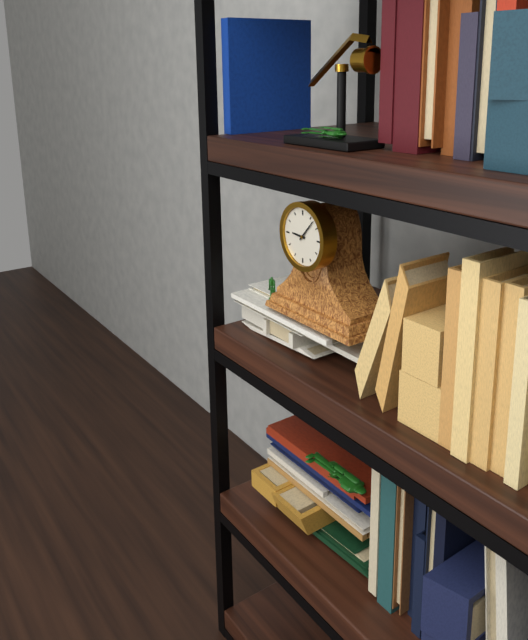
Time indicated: 9:07
